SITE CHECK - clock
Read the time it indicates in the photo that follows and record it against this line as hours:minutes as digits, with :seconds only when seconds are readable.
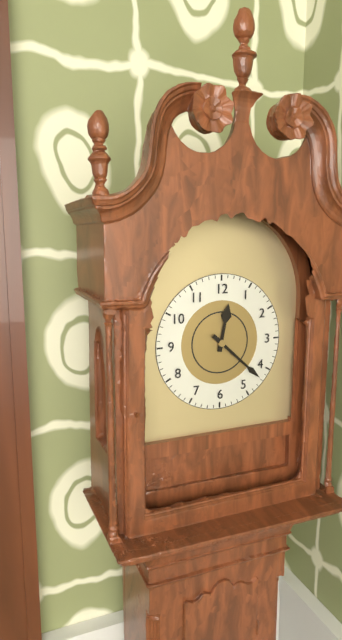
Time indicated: 12:22
